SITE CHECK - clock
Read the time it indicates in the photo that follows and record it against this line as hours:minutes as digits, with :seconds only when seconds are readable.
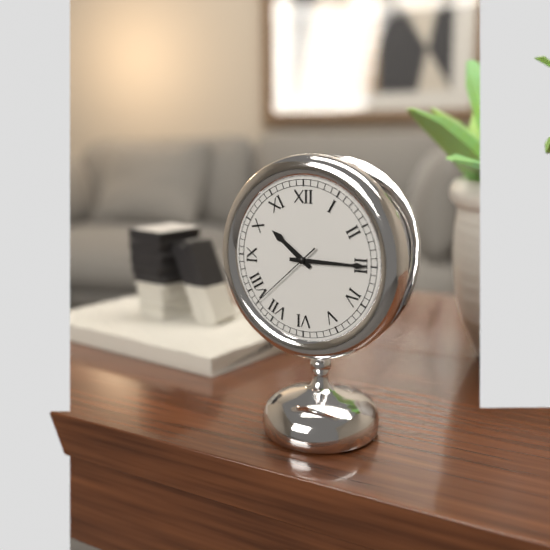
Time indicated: 10:15:38
